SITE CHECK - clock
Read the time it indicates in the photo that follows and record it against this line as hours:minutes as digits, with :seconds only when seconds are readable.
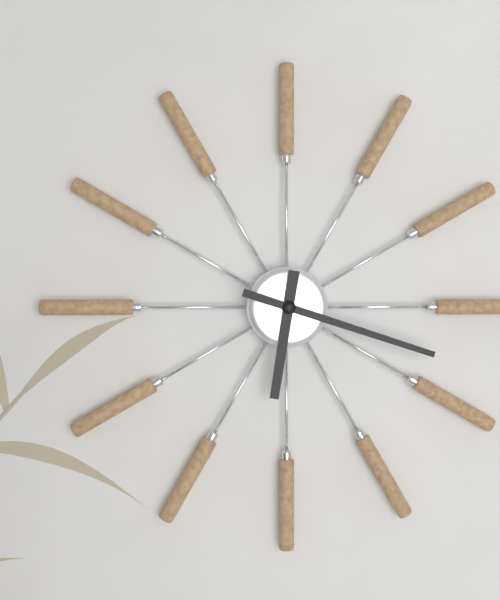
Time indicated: 6:18
